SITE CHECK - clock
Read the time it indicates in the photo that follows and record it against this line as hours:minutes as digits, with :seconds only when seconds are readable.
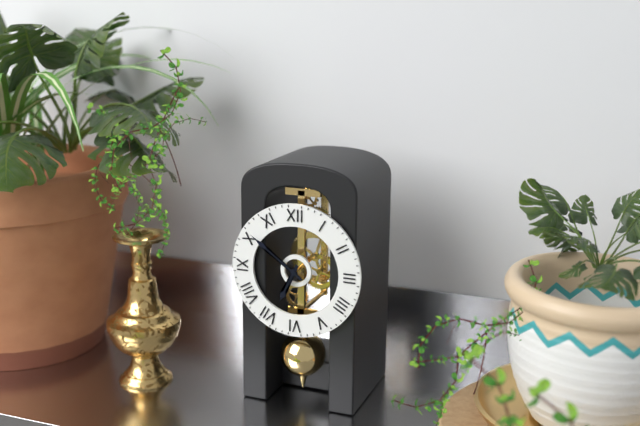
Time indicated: 6:51
